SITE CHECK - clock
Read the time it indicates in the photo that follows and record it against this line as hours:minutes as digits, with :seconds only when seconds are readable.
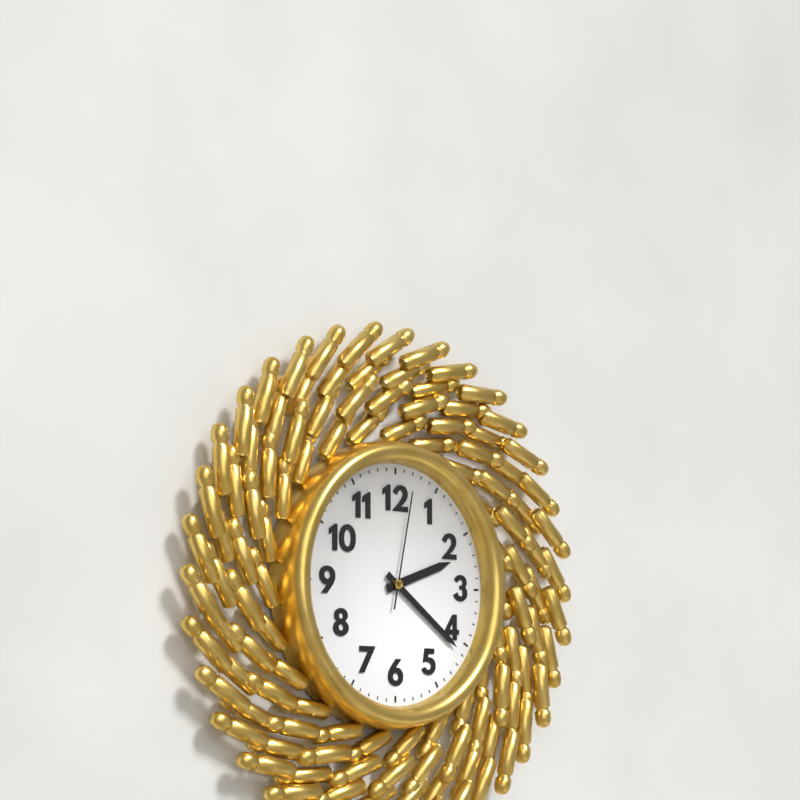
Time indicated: 2:21:02
